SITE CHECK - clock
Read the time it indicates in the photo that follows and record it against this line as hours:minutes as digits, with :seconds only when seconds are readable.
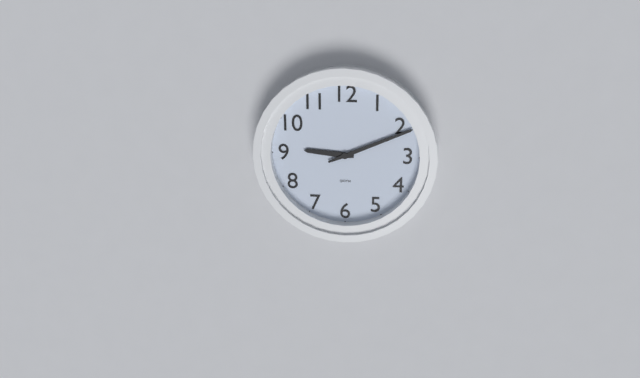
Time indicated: 9:11
